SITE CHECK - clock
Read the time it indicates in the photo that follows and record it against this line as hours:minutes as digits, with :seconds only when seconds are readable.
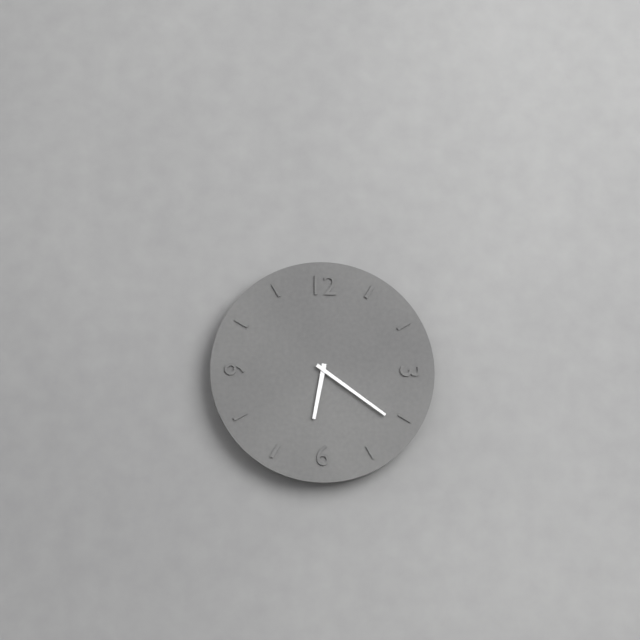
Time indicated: 6:21
